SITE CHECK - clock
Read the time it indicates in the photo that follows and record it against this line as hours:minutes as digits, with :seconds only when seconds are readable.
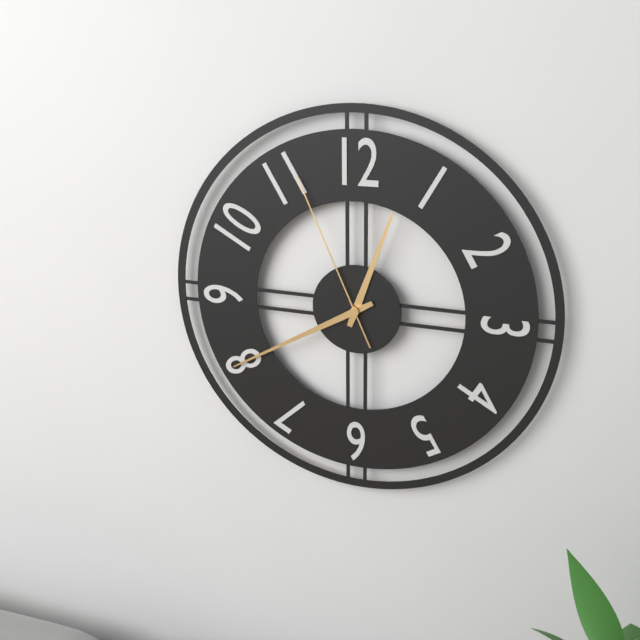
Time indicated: 12:40:56
